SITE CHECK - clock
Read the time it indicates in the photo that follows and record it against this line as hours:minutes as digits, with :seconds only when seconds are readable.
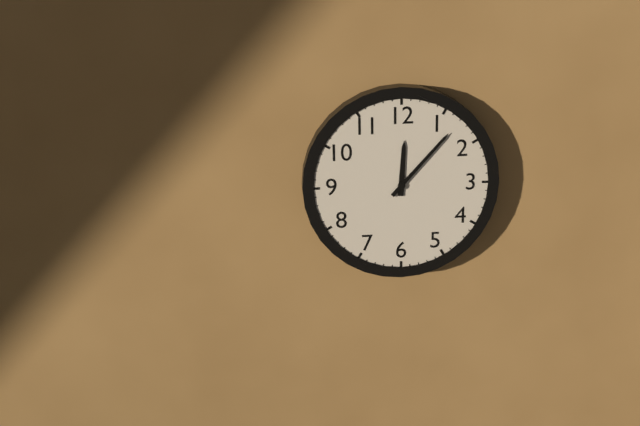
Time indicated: 12:07
